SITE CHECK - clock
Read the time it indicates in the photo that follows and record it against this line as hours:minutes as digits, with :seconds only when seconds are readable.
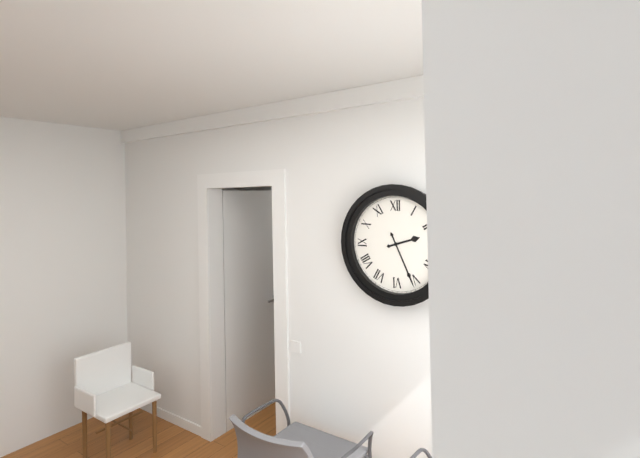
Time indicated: 2:26
